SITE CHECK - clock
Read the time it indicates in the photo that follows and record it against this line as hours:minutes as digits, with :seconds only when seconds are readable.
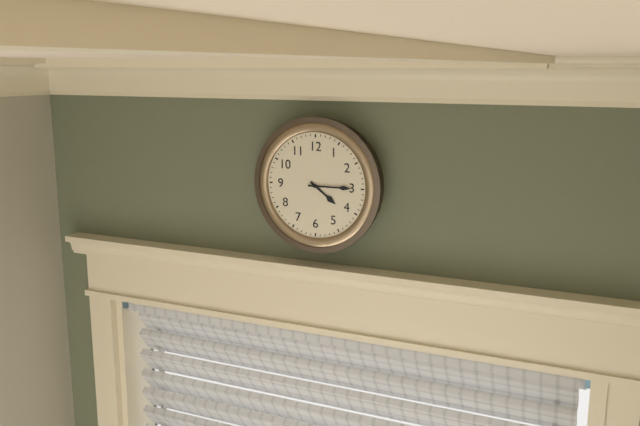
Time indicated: 4:15
